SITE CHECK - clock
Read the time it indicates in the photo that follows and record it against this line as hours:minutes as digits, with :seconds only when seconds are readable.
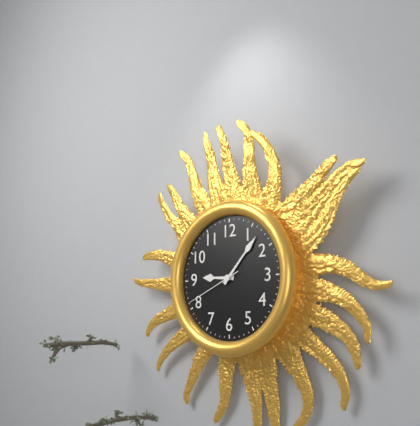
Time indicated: 9:07:41
